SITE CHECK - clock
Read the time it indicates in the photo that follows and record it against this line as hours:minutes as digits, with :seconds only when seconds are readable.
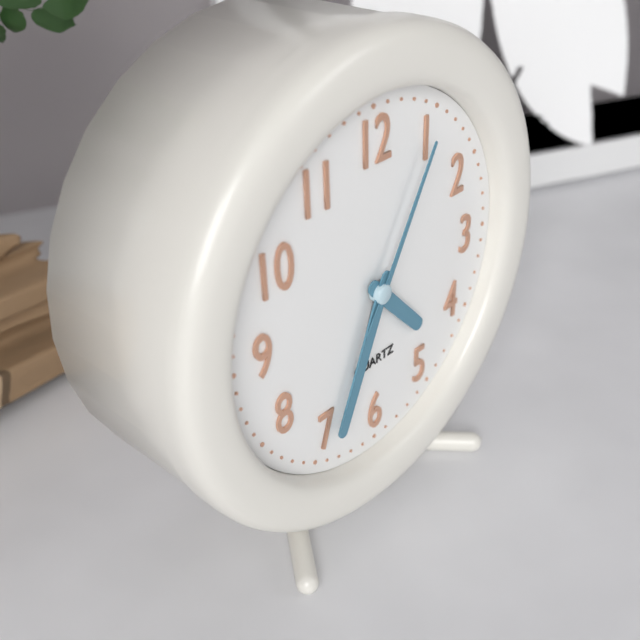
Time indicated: 4:34:05
